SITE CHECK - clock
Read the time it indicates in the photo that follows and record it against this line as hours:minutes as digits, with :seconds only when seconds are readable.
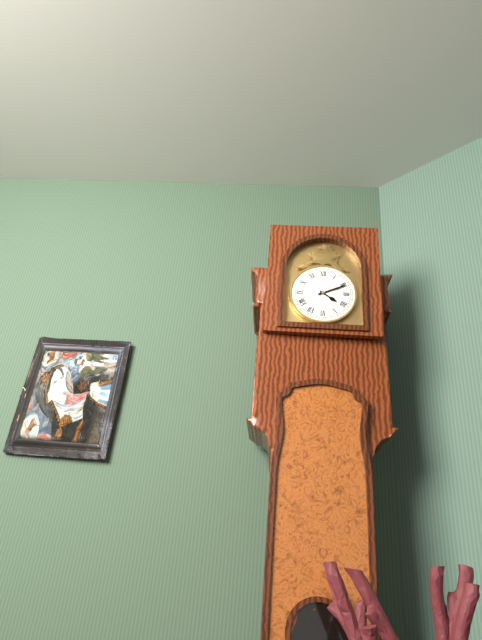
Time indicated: 4:11
